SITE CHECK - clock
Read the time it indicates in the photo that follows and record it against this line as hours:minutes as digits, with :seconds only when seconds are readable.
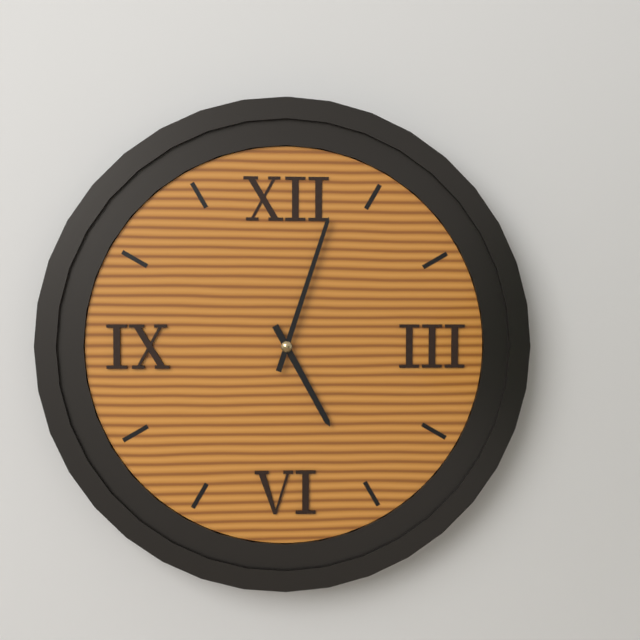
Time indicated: 5:03
